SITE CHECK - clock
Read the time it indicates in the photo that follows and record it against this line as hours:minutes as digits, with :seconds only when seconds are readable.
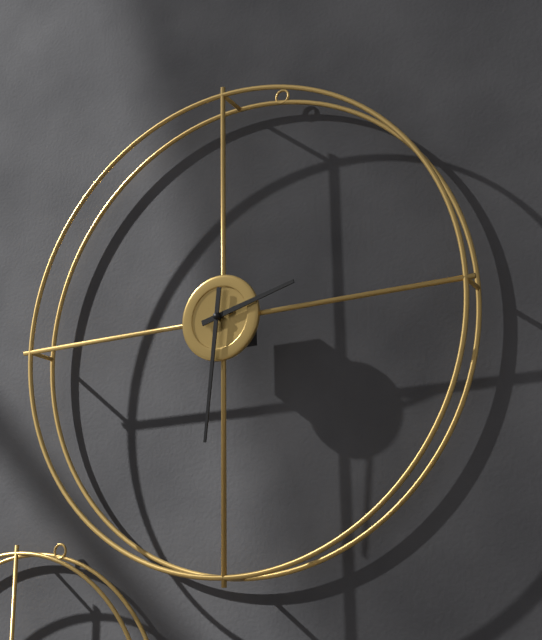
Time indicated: 2:31
